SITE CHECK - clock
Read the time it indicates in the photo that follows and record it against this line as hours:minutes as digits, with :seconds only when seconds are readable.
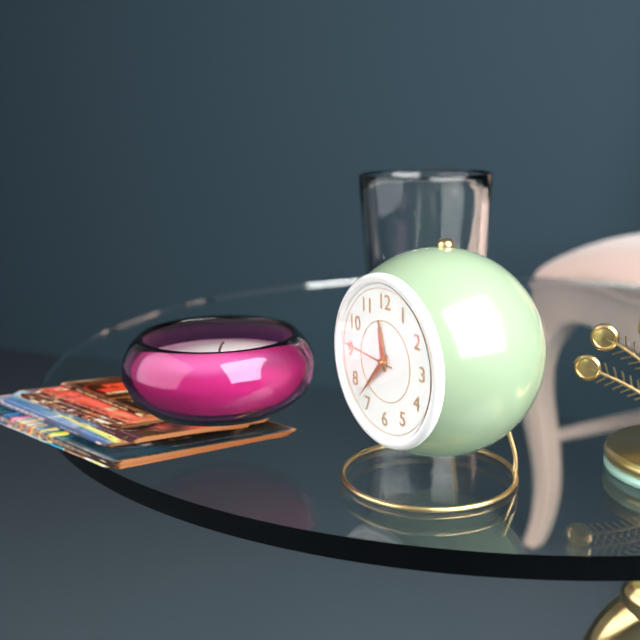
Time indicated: 11:37:46
